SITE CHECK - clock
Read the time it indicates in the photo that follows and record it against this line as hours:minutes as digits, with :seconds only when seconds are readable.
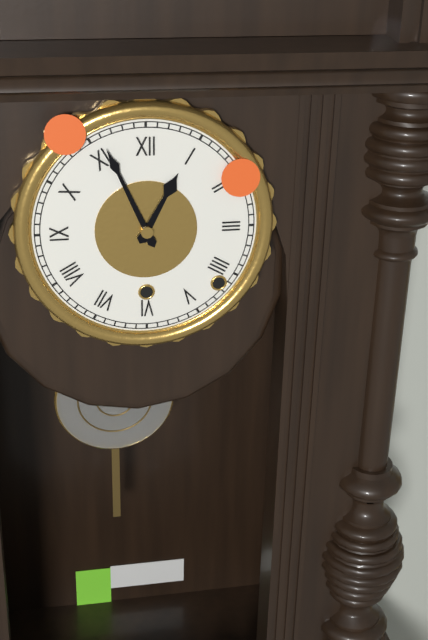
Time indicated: 12:56
